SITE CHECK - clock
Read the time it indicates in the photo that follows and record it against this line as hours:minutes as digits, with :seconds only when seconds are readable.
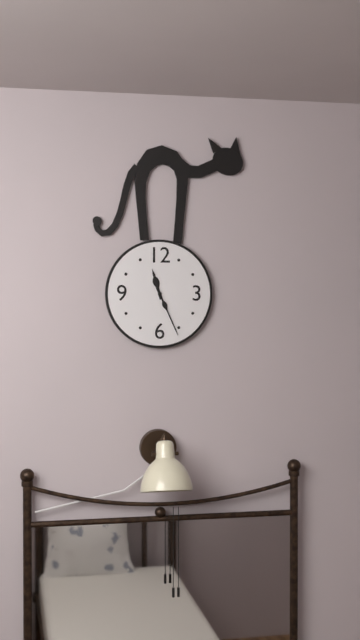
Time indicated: 11:26
